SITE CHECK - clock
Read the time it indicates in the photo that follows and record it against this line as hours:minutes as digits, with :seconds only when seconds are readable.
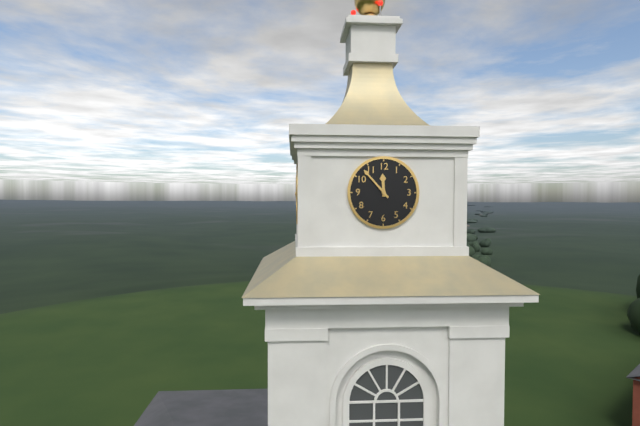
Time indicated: 11:53
